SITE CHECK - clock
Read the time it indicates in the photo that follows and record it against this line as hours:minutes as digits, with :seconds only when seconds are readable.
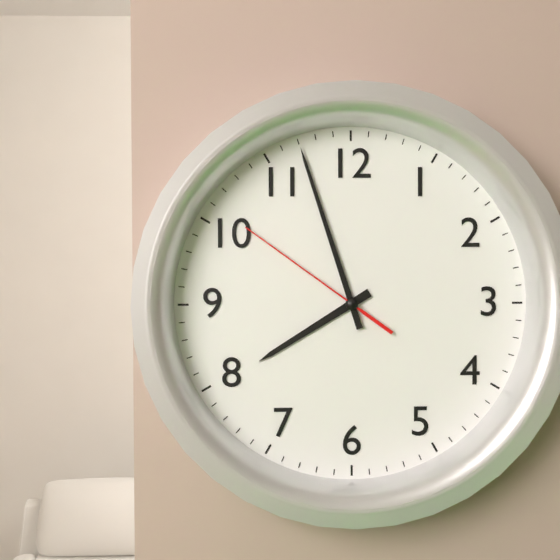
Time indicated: 7:57:51
